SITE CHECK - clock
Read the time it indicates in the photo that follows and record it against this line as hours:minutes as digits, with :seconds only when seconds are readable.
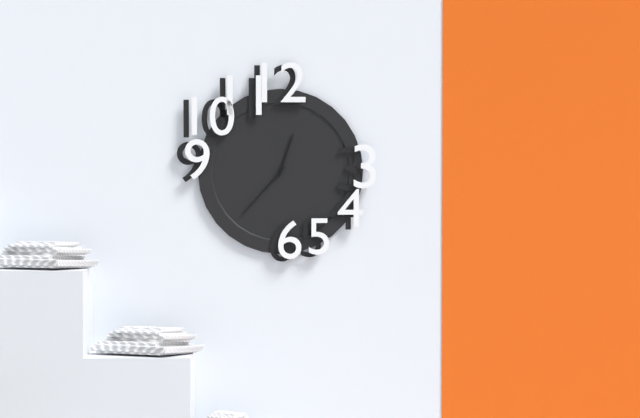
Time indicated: 12:37
